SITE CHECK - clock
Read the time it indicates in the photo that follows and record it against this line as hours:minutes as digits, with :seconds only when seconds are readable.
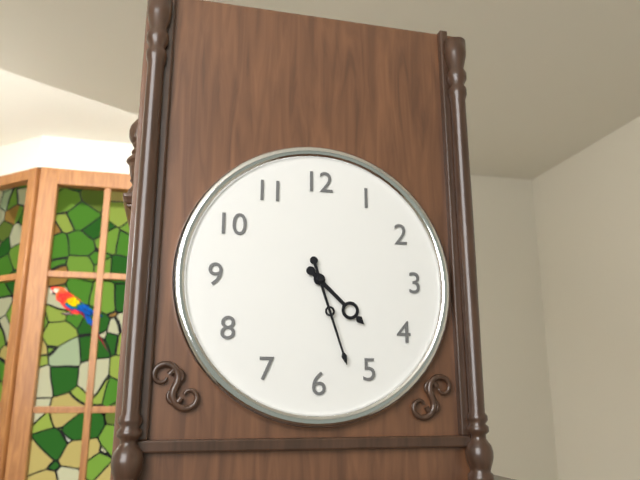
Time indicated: 4:27
